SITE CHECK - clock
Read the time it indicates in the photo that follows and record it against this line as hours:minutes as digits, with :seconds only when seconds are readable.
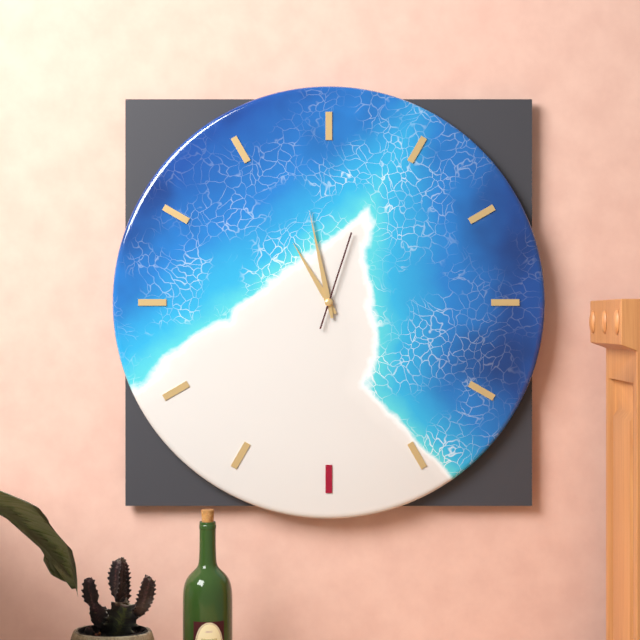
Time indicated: 10:58:03
